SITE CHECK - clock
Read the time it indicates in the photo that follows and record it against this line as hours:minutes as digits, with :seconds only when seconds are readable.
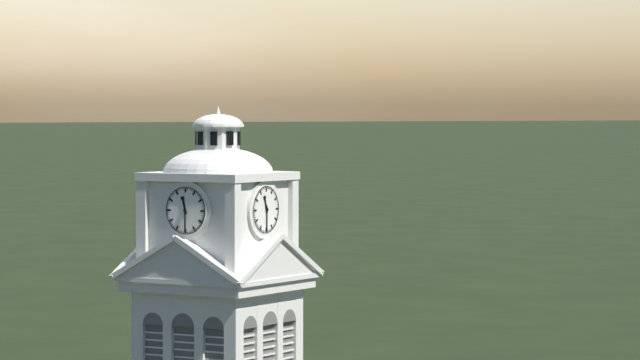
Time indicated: 11:30
